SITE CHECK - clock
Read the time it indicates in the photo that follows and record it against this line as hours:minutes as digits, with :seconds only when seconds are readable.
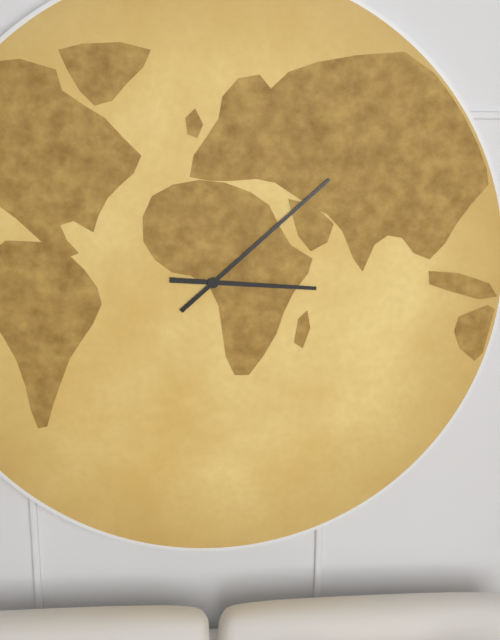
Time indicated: 3:08
